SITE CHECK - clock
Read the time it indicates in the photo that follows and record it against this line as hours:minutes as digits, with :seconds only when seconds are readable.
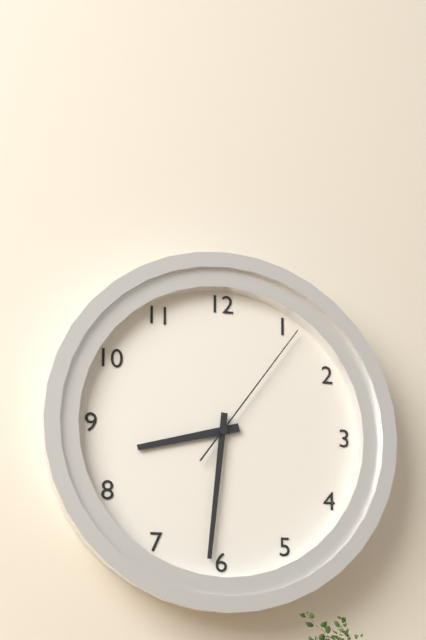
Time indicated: 8:31:06
